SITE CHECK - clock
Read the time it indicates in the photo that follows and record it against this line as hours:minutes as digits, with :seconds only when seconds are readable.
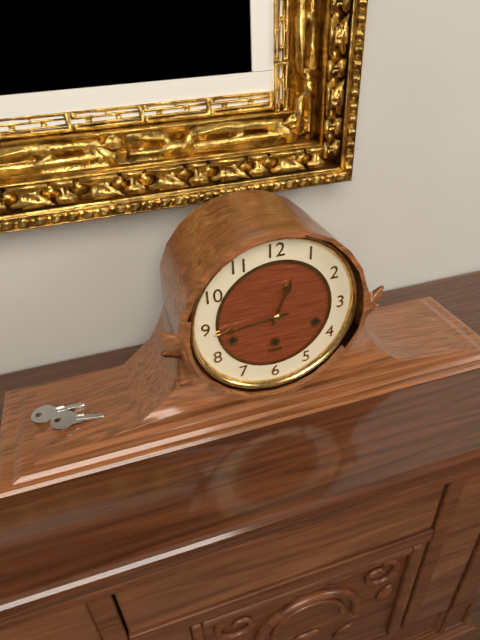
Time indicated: 12:44
